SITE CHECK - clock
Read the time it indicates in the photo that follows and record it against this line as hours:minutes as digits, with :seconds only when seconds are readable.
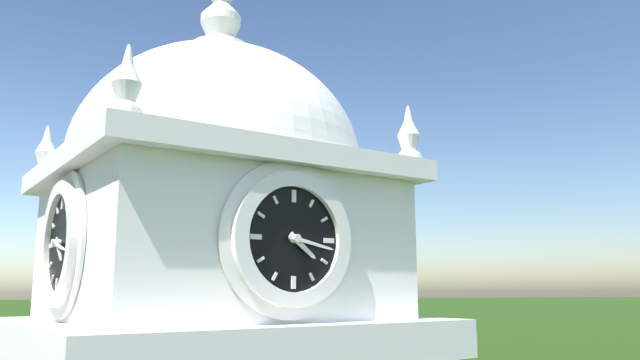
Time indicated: 4:17
